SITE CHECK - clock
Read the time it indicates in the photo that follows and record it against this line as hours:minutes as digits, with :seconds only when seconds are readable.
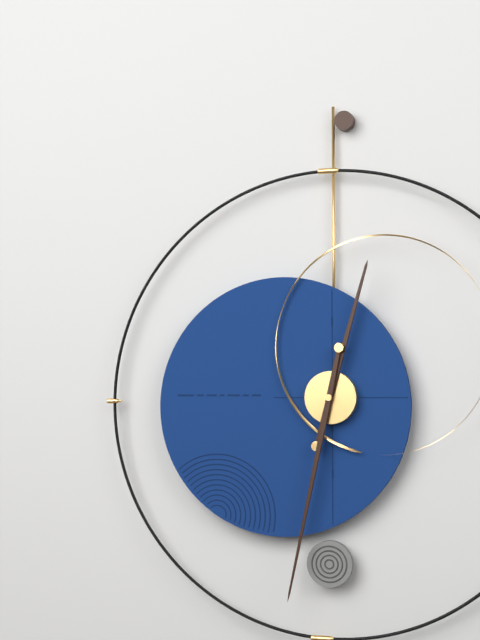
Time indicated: 12:32
